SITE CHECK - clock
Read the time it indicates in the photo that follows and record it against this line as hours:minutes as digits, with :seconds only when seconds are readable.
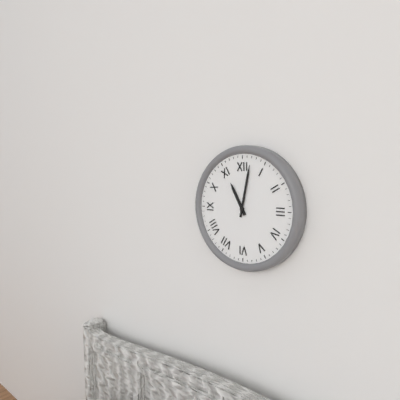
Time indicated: 11:02
